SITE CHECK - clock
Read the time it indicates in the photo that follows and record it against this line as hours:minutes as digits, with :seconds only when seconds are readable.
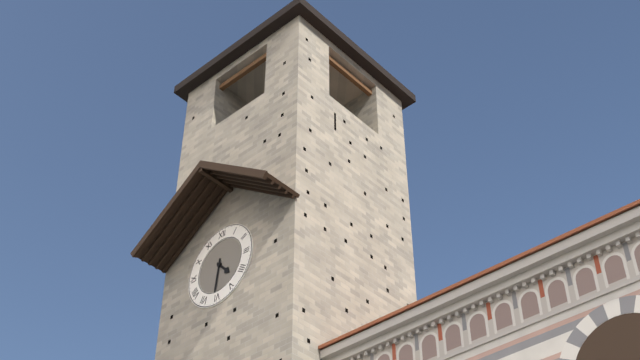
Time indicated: 4:31
